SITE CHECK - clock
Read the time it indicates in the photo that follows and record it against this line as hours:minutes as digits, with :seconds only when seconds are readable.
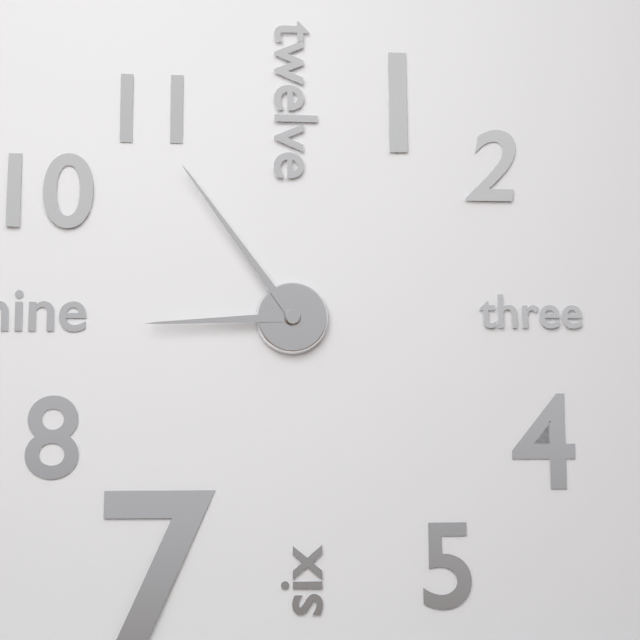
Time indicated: 8:54
